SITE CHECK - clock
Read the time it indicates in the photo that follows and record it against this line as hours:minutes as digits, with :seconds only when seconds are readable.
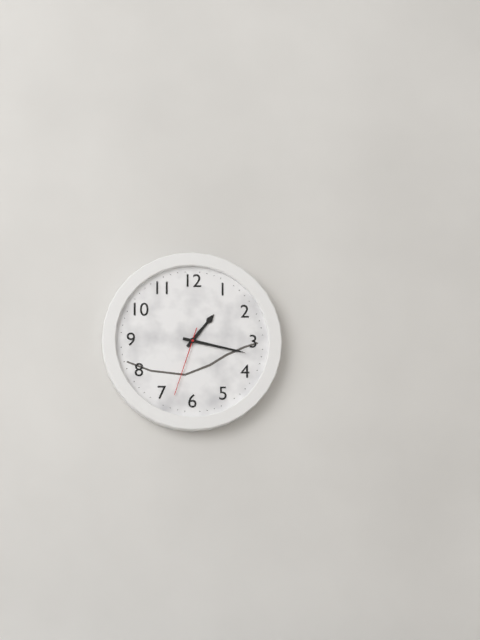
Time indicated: 1:17:33
